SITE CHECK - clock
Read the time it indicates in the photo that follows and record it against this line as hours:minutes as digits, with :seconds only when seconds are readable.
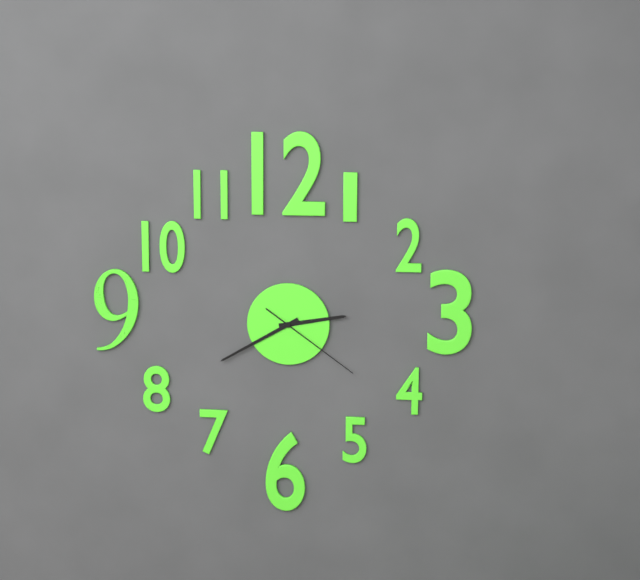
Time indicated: 2:40:21
